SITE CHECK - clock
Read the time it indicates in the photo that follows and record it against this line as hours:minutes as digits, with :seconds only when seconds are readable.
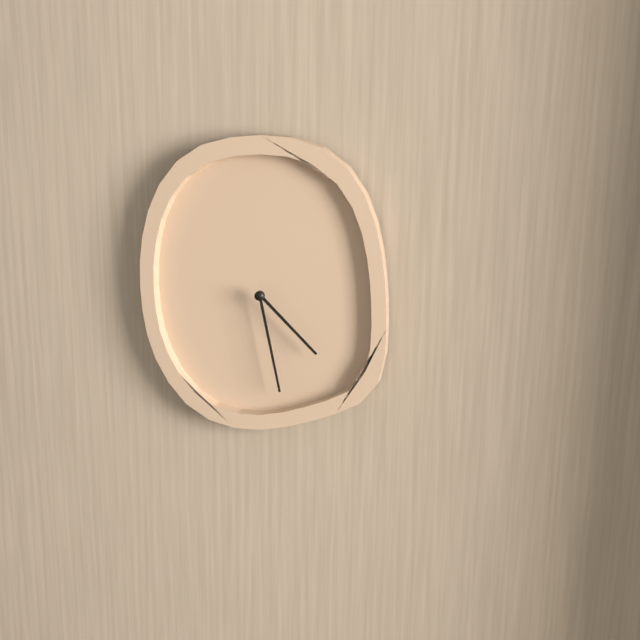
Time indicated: 4:28
